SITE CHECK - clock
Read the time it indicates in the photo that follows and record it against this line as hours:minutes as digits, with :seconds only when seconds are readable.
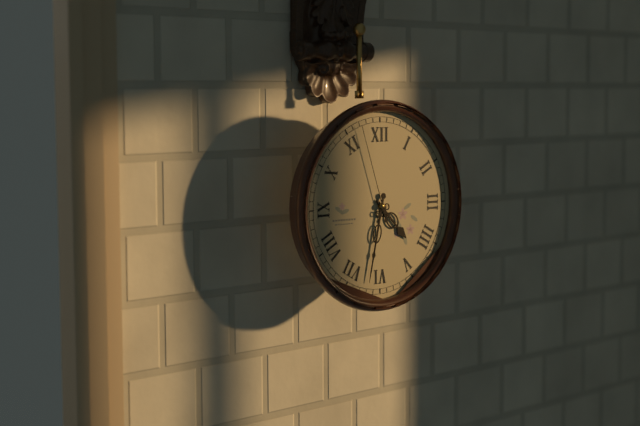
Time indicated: 4:32:57
